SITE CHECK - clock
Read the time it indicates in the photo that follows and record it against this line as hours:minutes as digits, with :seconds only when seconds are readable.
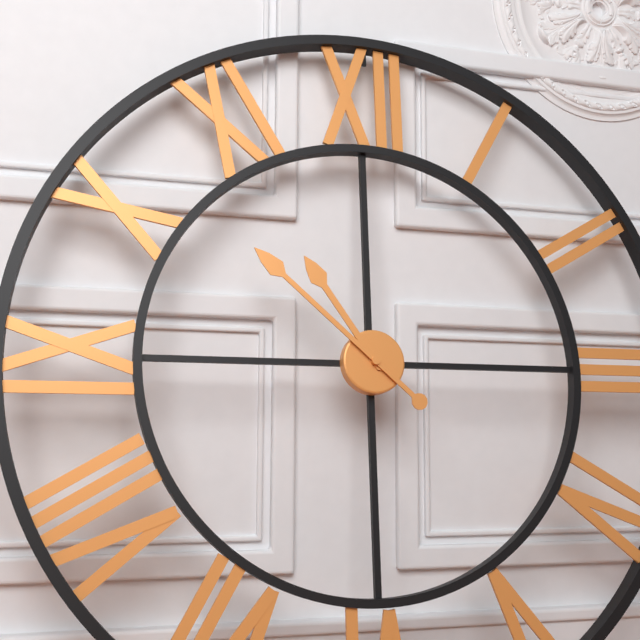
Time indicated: 10:52
